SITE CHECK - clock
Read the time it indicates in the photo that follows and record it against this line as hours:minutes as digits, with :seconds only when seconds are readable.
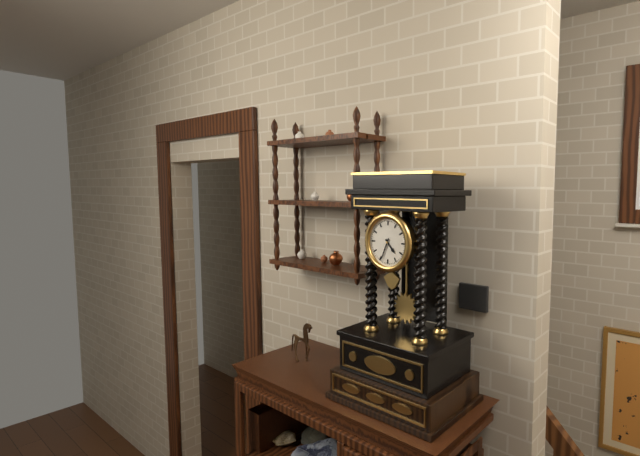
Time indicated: 4:34
